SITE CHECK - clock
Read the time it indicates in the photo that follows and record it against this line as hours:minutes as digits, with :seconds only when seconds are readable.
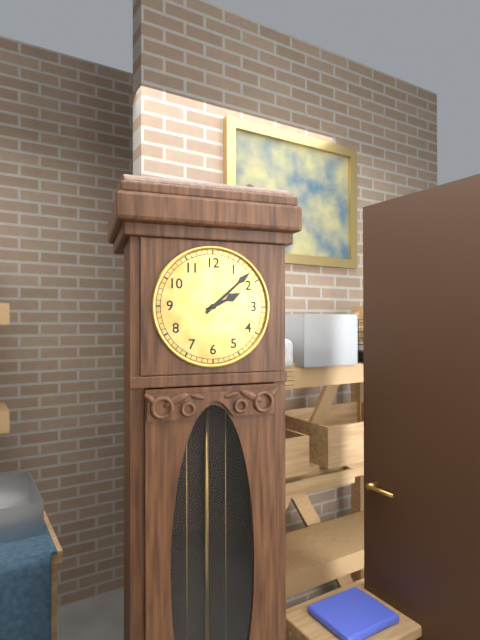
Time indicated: 2:08
